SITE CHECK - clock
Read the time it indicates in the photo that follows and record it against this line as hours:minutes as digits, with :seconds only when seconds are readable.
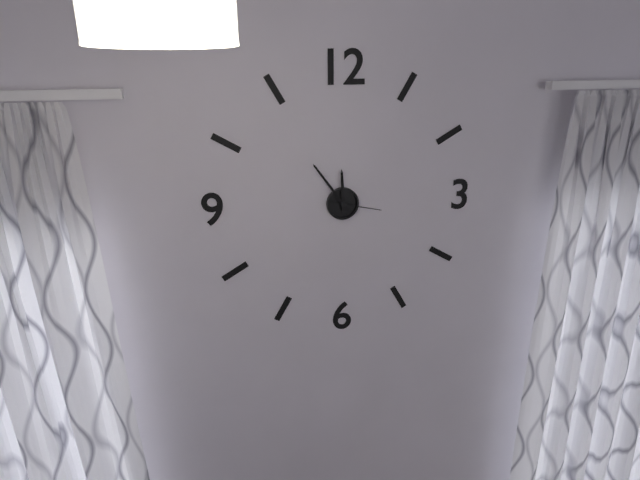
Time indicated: 11:54
